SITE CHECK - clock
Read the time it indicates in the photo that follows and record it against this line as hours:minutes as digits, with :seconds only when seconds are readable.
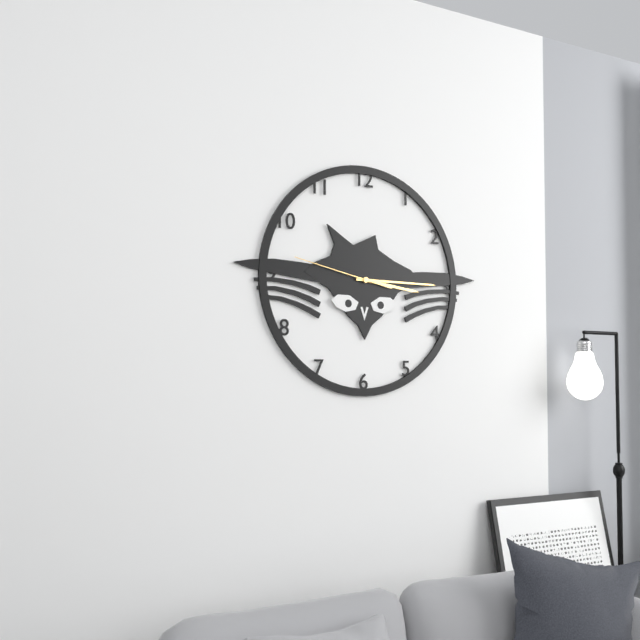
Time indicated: 3:15:47
